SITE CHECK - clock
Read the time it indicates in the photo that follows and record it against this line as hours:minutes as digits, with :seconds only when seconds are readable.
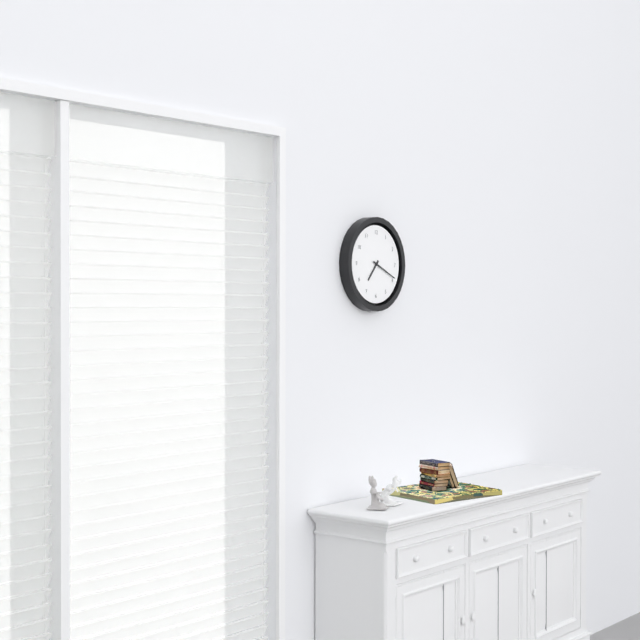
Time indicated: 7:19
